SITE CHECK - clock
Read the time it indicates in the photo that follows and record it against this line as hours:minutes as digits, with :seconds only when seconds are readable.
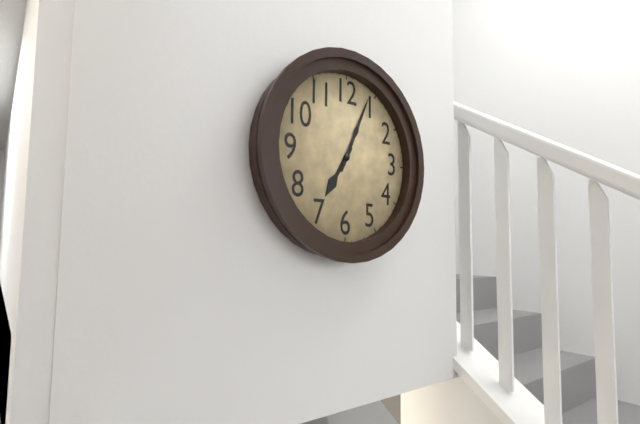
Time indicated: 7:04
